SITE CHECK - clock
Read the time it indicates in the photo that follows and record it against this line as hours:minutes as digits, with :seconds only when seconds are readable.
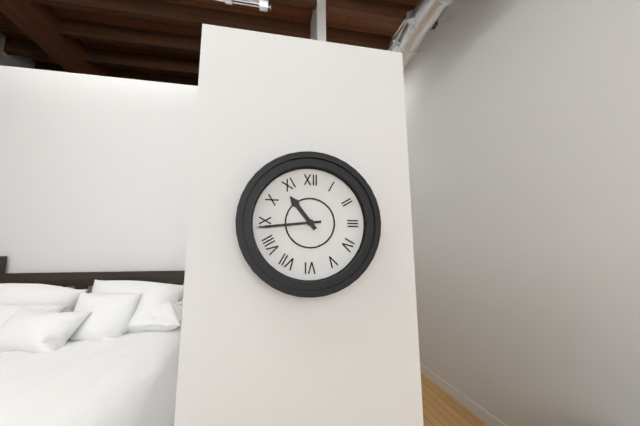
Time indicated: 10:44
